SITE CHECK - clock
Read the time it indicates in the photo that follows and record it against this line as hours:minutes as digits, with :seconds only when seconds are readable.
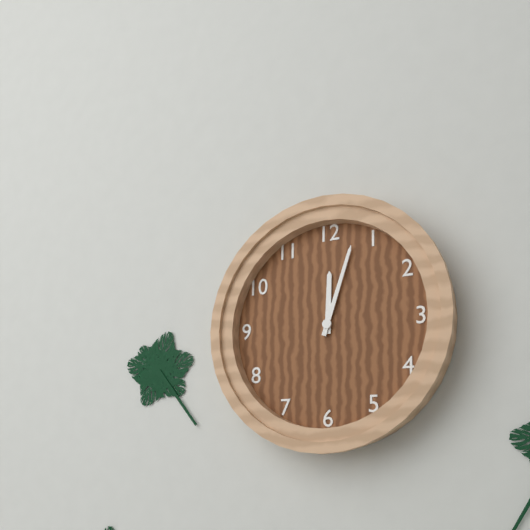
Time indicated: 12:03
